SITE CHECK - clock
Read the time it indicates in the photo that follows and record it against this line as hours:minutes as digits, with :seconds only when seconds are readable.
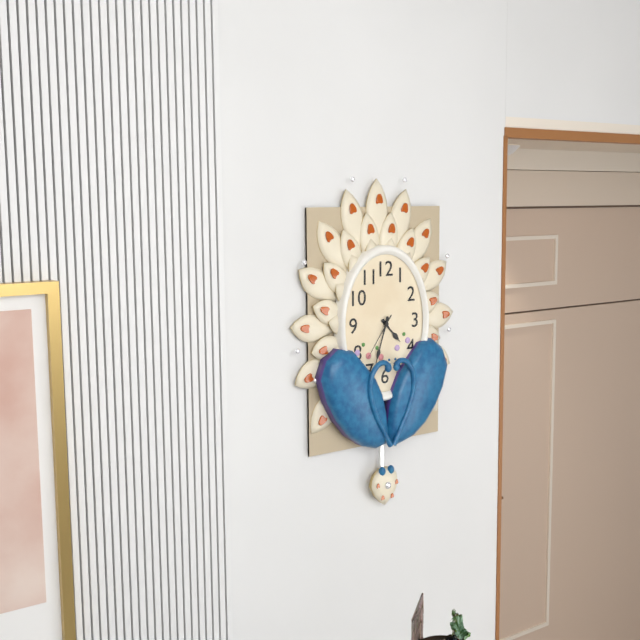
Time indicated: 4:33
